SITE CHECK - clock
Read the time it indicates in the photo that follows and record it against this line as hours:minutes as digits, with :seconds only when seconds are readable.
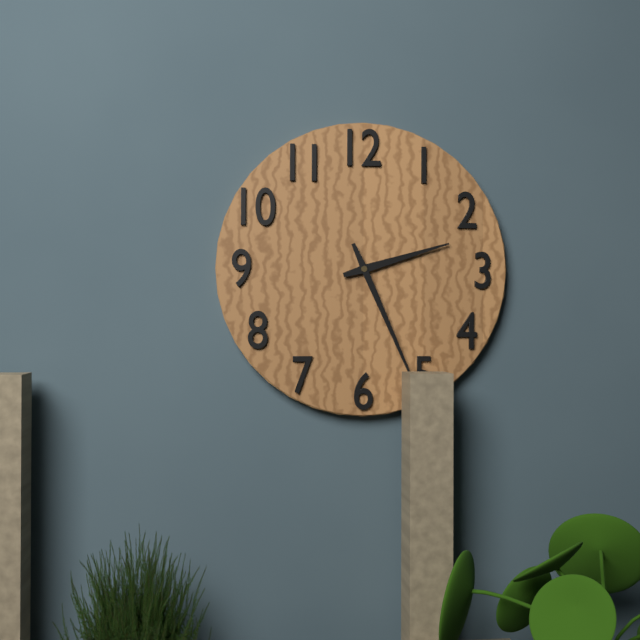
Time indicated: 2:26
